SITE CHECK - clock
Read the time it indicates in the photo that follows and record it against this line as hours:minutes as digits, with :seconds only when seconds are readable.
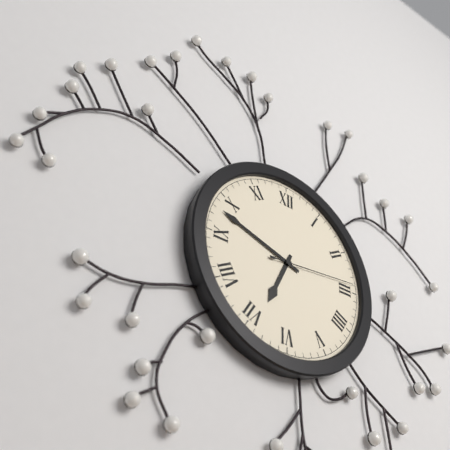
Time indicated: 6:48:14
